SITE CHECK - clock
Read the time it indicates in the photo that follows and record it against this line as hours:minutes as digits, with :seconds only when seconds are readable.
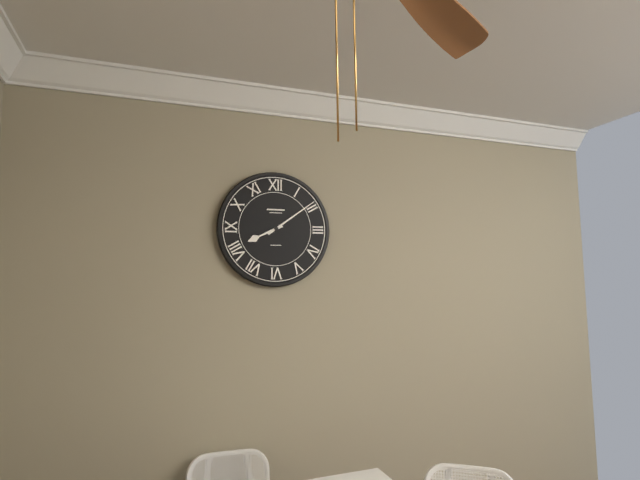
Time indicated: 8:09
